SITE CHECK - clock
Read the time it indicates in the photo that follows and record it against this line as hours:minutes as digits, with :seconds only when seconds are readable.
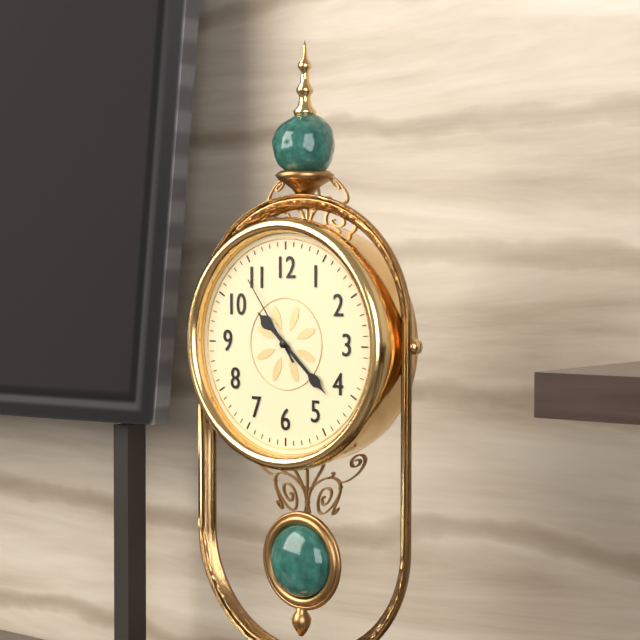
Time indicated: 10:22:54
